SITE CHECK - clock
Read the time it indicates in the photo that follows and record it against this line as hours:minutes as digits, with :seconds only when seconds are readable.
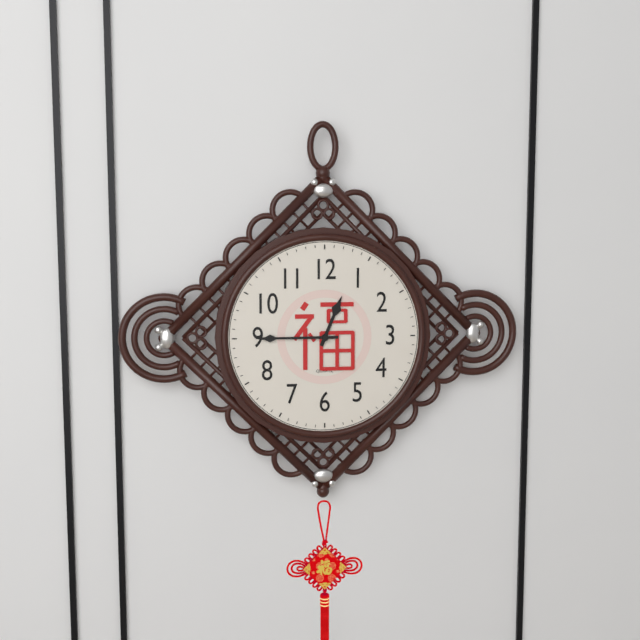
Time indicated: 12:45
